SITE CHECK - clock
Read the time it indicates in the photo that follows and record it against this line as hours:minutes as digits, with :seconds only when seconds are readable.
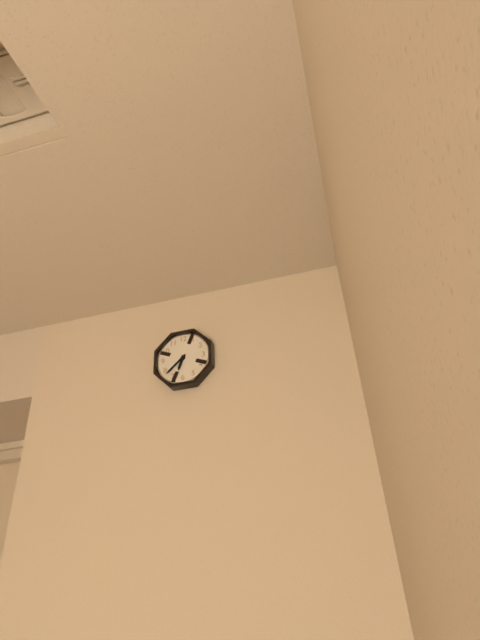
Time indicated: 6:38
